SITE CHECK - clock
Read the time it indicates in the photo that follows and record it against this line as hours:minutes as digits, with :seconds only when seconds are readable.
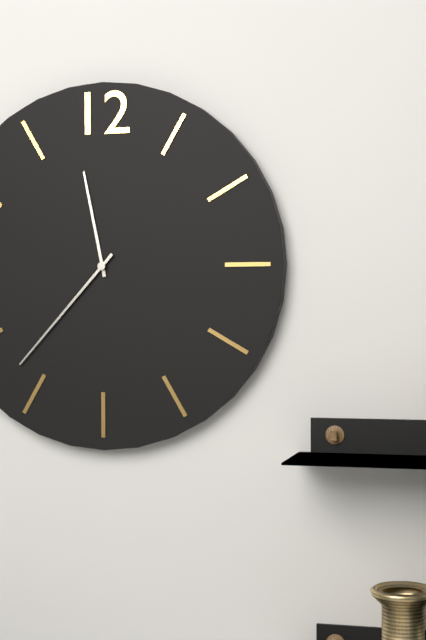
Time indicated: 11:37
